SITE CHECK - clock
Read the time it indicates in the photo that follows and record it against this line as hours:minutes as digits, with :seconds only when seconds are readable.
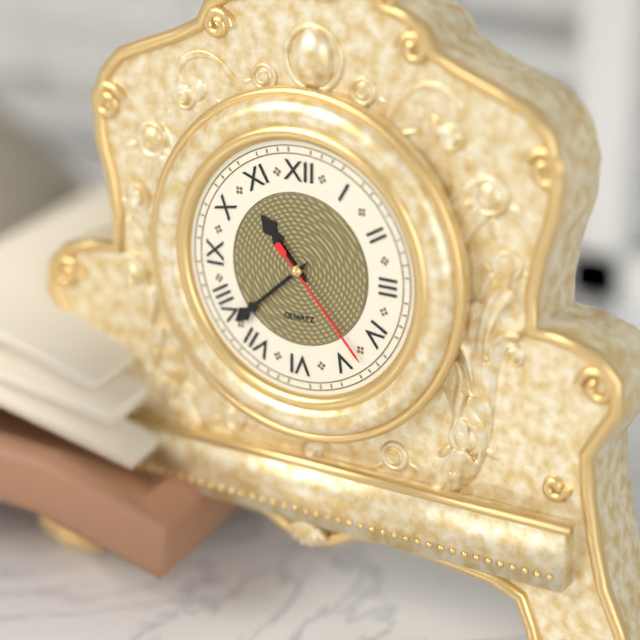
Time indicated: 10:38:23
